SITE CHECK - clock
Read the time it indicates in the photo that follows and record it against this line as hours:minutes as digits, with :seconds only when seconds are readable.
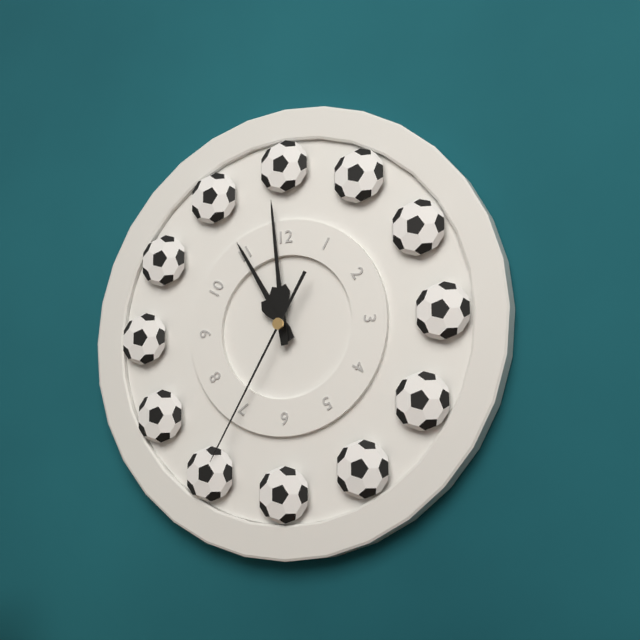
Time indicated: 10:59:35
